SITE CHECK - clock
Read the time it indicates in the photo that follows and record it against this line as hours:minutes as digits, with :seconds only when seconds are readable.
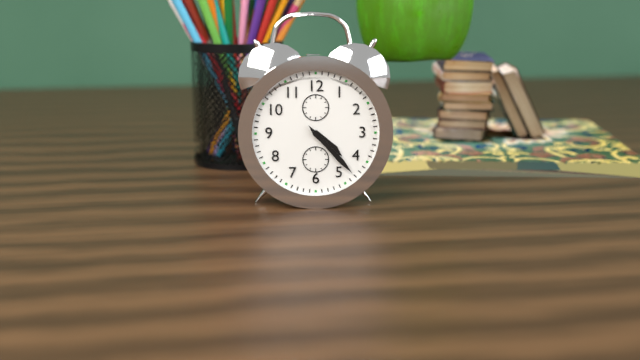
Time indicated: 4:23
